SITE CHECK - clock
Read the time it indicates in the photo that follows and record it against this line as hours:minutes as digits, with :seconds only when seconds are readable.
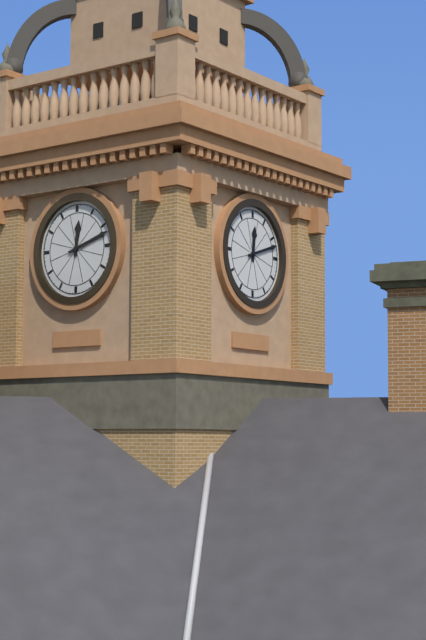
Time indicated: 12:12
